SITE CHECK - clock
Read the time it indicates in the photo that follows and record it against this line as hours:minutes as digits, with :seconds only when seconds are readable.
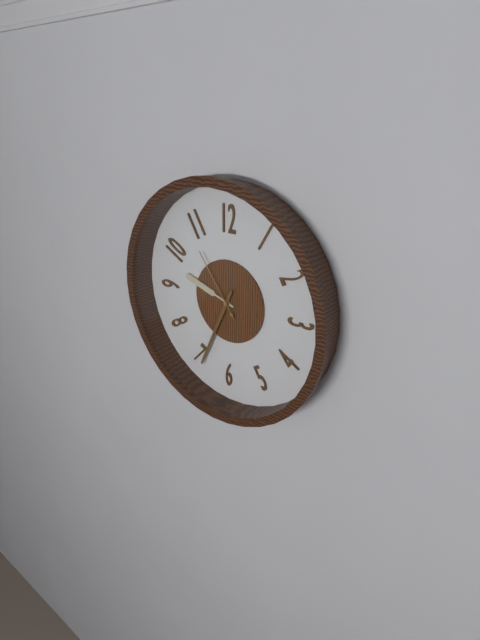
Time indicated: 9:34:54
